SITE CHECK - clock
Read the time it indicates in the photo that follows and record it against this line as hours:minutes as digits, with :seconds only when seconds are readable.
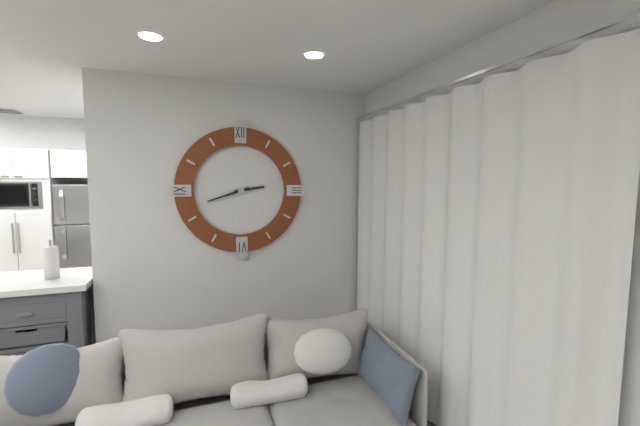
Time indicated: 2:42
